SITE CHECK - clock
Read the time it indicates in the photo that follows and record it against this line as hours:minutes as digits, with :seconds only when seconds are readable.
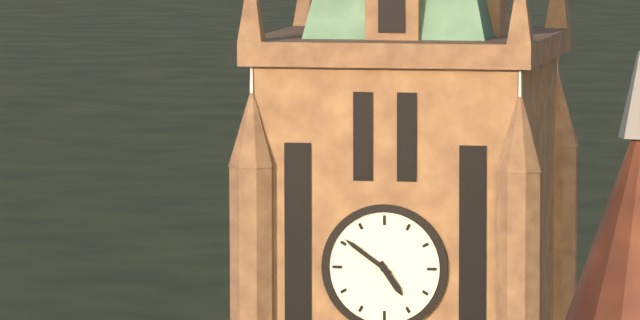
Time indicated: 4:51
